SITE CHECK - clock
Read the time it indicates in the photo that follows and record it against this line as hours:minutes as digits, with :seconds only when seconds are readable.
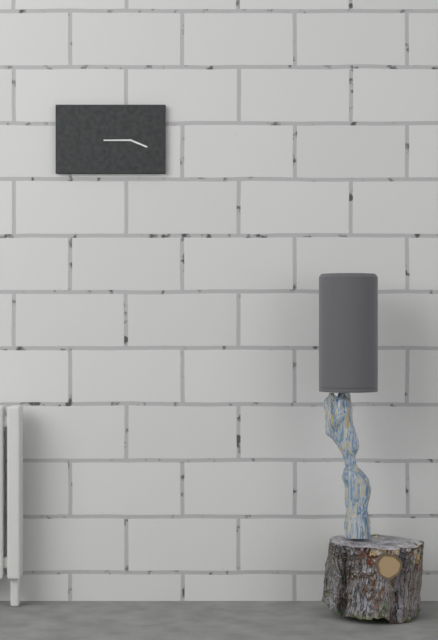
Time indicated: 3:45
